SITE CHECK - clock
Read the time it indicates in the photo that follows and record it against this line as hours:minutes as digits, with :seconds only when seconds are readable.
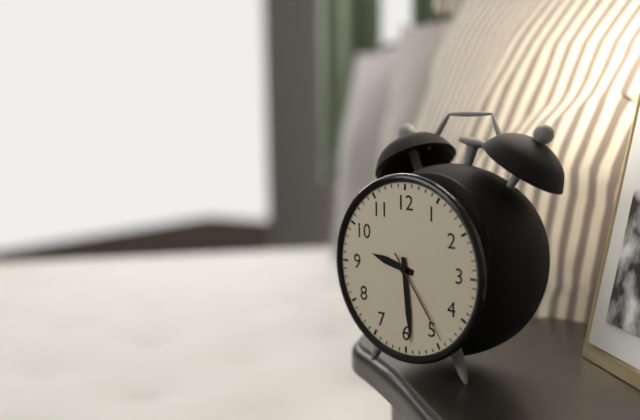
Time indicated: 9:29:24
